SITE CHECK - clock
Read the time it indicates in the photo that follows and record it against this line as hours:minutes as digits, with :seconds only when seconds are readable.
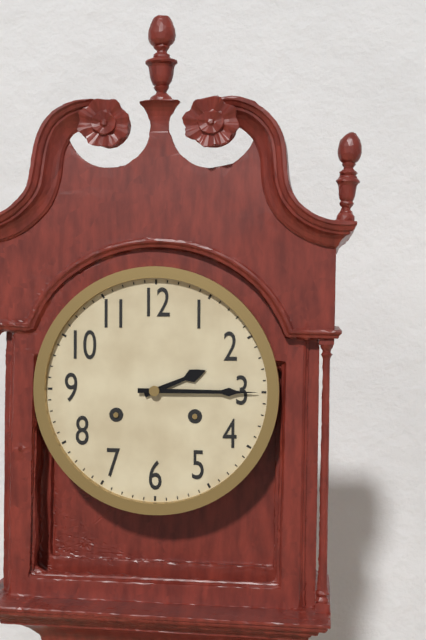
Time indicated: 2:15
